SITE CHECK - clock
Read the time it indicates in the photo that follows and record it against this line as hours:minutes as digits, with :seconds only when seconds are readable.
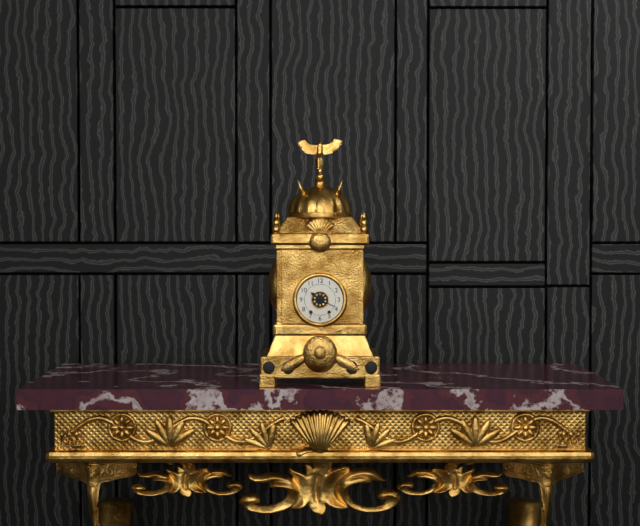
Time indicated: 10:19
